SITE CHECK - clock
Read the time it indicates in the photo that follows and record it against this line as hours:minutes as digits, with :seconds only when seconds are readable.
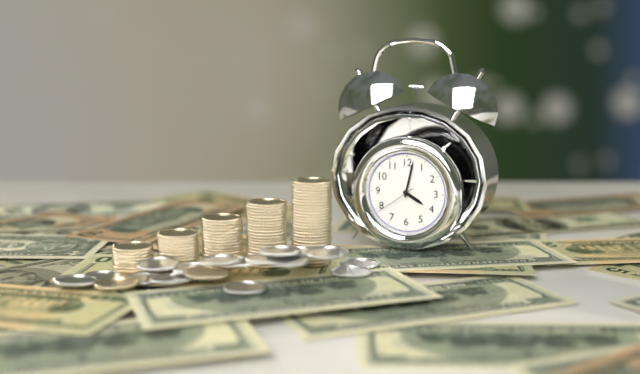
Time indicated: 4:02
